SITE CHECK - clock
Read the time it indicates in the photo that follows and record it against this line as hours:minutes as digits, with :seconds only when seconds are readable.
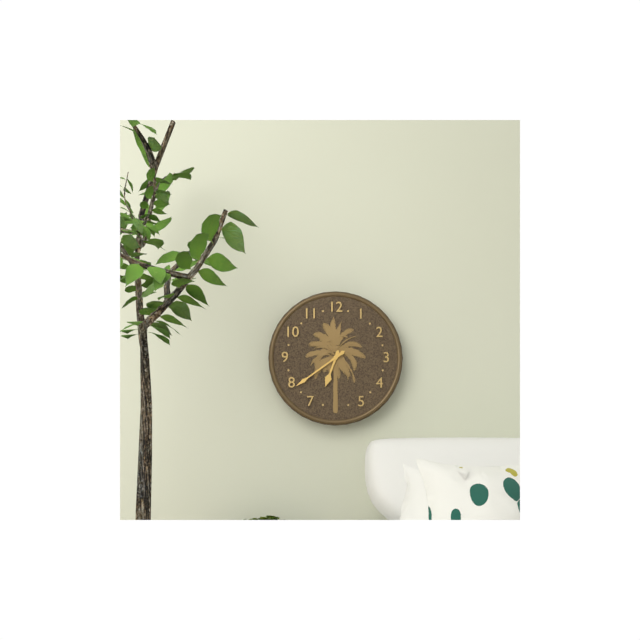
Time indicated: 6:39
